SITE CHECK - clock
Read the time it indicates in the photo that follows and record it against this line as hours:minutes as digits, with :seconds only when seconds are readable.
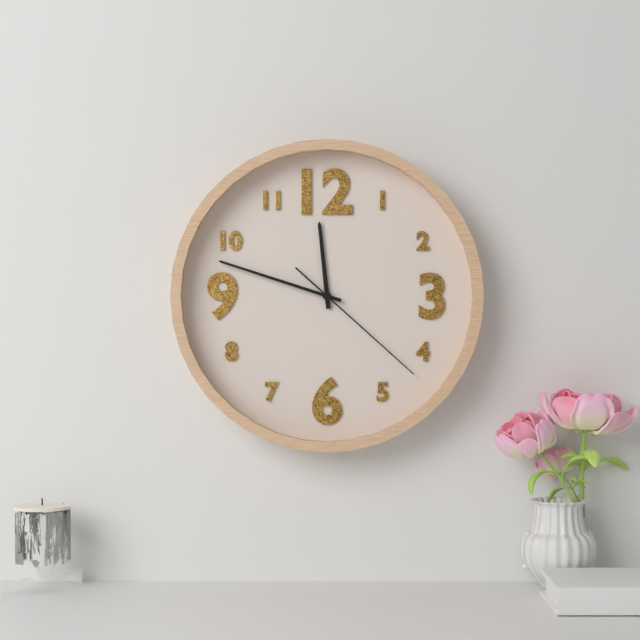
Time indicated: 11:48:22
